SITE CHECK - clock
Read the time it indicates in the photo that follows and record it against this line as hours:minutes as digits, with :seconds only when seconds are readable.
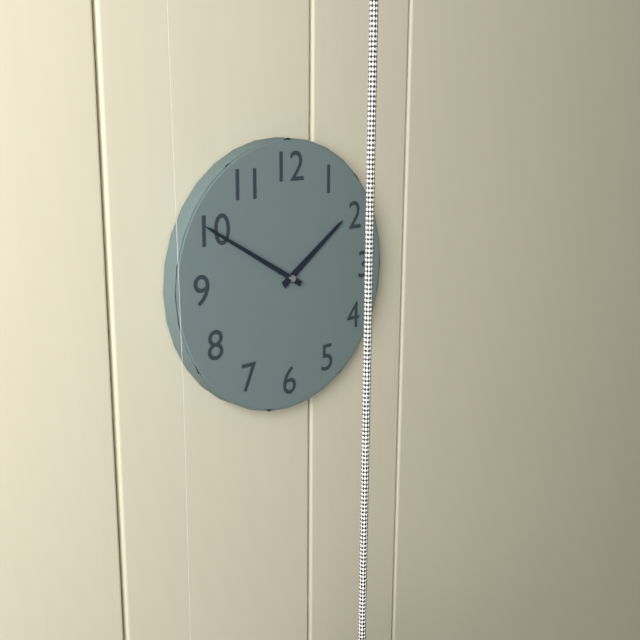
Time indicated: 1:50
